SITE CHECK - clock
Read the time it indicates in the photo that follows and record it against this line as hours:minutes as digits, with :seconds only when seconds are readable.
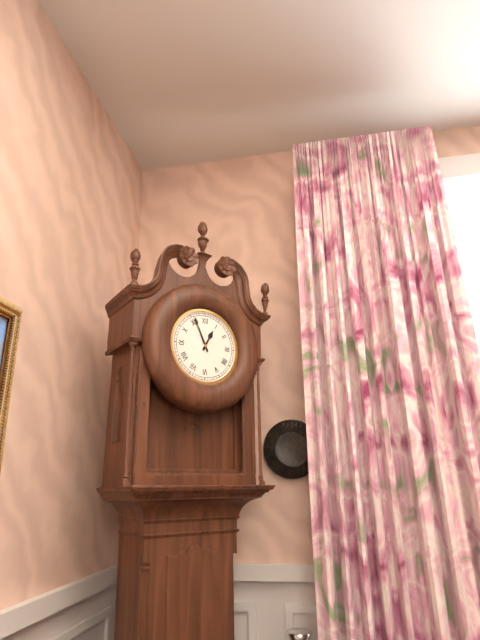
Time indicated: 12:56
